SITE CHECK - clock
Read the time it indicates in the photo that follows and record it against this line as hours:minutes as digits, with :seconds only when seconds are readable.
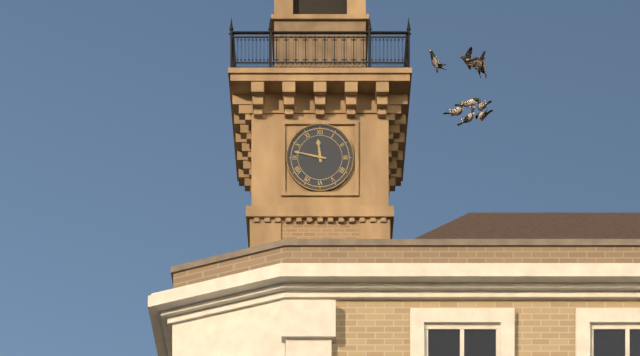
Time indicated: 11:47
